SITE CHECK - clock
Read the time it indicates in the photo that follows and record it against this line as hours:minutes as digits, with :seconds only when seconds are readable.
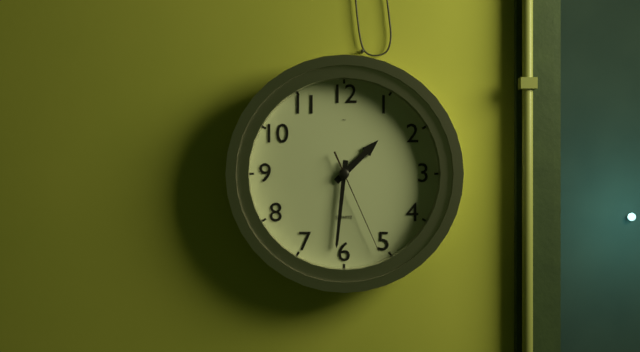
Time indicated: 1:31:26
